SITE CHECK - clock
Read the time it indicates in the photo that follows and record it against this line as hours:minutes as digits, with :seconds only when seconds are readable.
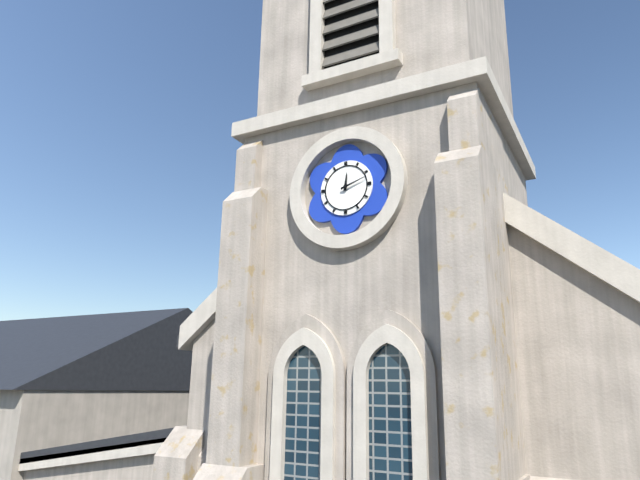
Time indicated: 12:12
